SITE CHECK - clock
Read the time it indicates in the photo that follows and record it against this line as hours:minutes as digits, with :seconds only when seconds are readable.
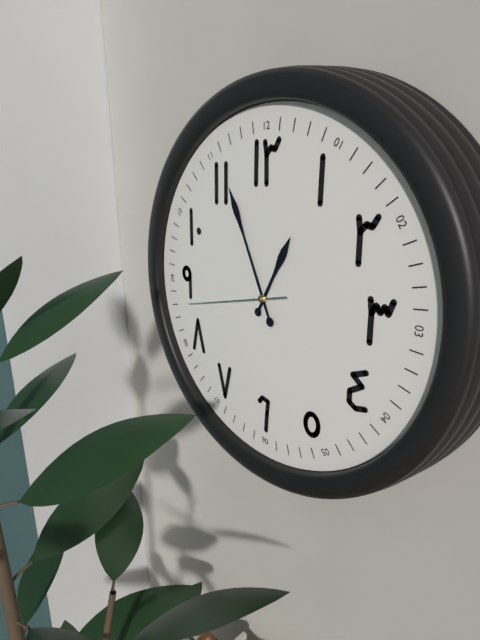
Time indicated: 12:56:43
